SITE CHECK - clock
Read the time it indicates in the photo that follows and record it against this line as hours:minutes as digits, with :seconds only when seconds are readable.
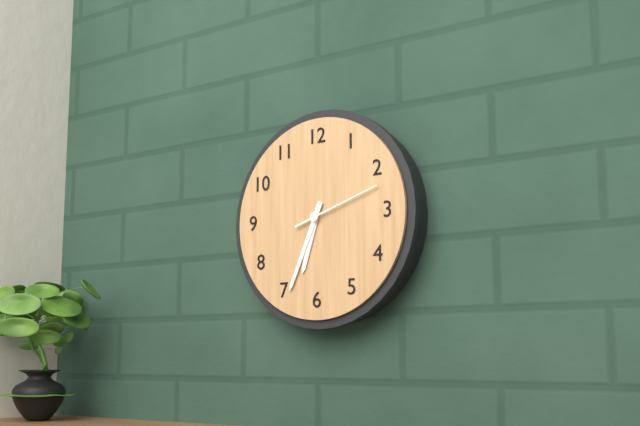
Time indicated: 6:34:12
